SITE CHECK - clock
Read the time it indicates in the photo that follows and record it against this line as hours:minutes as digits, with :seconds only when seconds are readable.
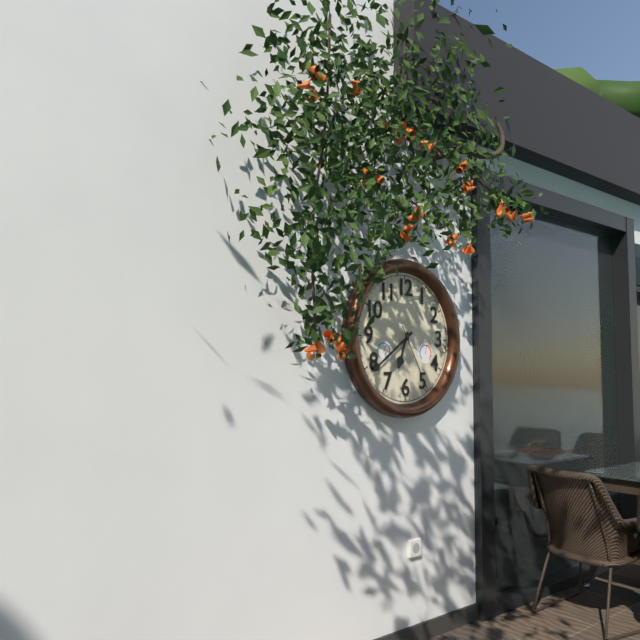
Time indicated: 6:39:25
